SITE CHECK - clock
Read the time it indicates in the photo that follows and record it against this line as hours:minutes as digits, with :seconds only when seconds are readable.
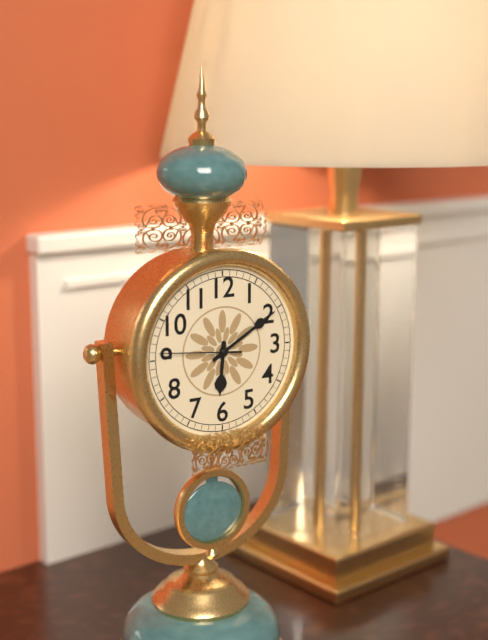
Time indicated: 6:10:46
